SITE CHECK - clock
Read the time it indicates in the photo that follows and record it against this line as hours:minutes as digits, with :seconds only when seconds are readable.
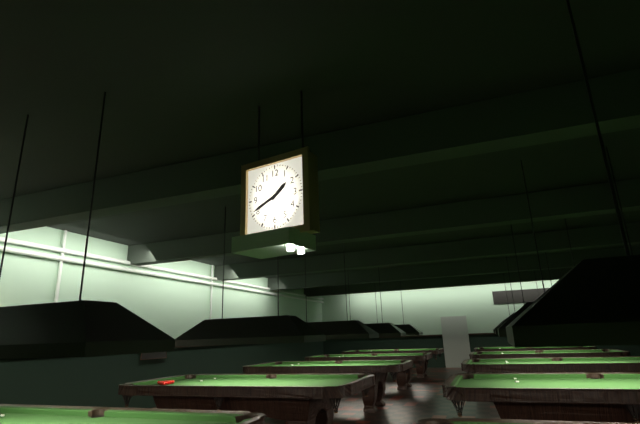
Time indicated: 1:41
